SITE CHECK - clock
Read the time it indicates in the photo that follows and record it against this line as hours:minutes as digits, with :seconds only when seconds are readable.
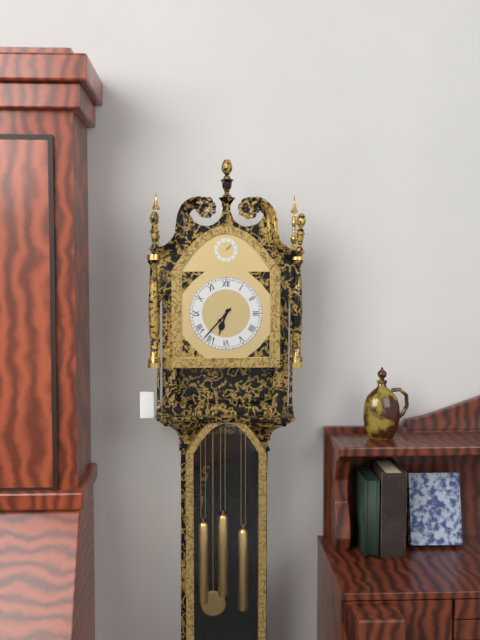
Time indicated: 6:37
